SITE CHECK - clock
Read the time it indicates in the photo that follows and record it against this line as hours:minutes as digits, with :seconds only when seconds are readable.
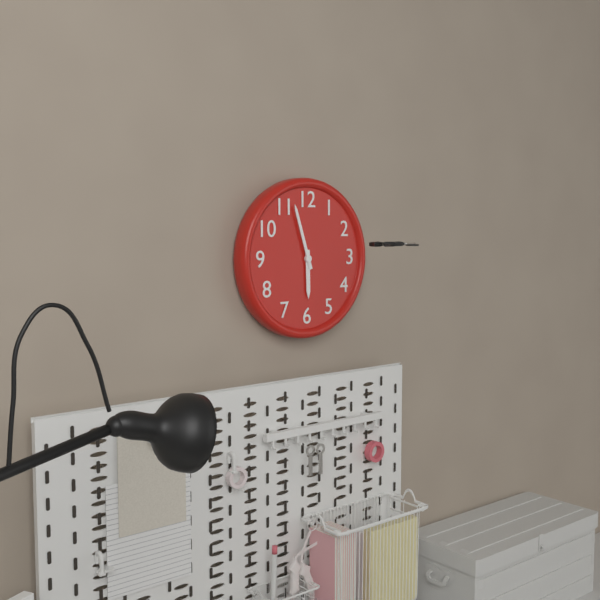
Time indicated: 5:57
